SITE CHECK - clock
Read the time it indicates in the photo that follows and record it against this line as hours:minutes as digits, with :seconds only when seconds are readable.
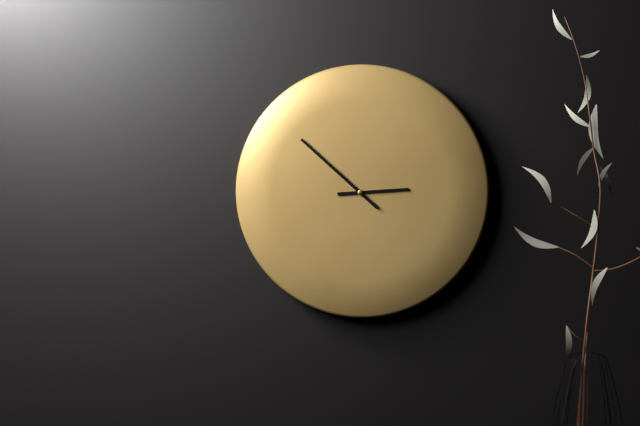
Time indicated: 2:52
